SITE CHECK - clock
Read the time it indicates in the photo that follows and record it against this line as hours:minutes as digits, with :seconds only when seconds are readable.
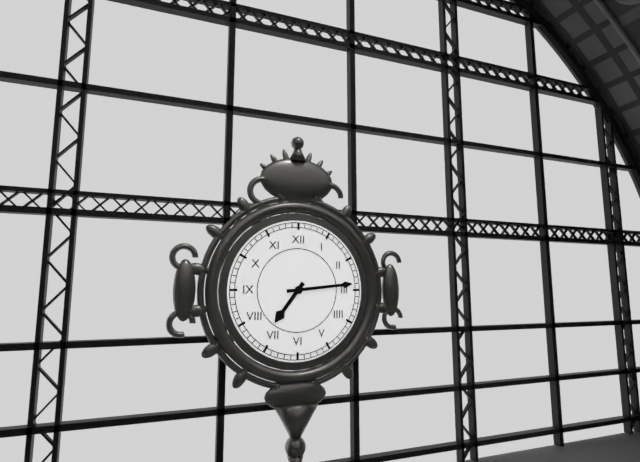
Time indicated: 7:14
